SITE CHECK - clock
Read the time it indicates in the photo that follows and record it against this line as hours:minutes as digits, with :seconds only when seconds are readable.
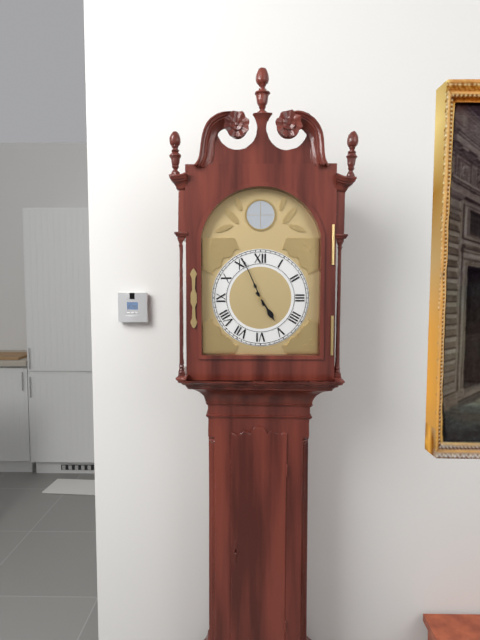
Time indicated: 4:56
